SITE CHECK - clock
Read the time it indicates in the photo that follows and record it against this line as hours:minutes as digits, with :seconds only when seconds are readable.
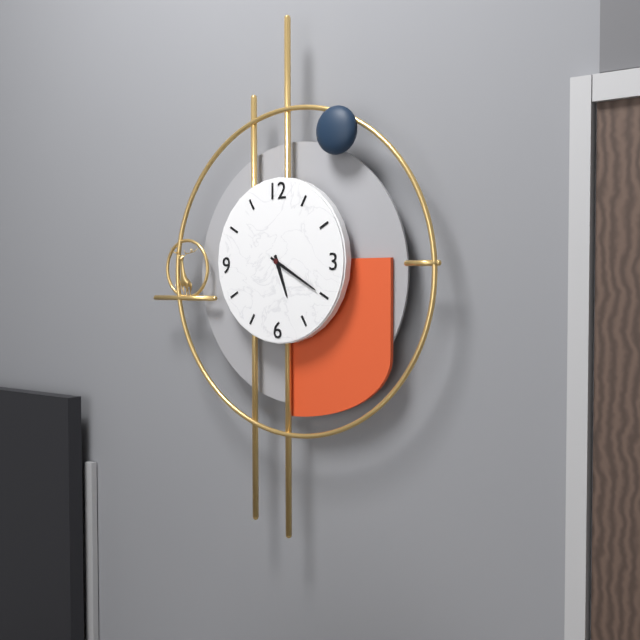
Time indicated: 5:20
